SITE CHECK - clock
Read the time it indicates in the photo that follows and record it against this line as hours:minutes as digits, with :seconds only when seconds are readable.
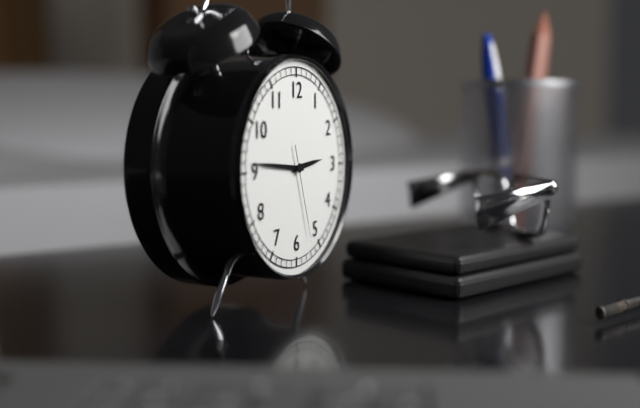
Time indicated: 2:46:27
